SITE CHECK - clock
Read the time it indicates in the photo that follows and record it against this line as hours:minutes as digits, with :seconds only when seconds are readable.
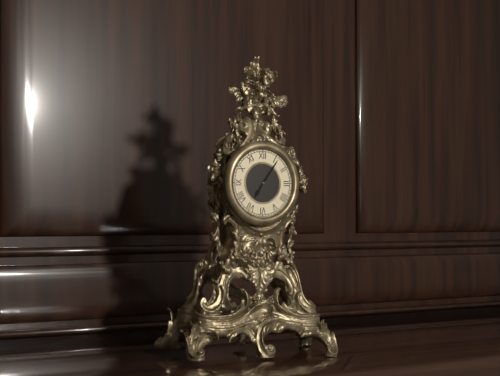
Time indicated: 7:06
